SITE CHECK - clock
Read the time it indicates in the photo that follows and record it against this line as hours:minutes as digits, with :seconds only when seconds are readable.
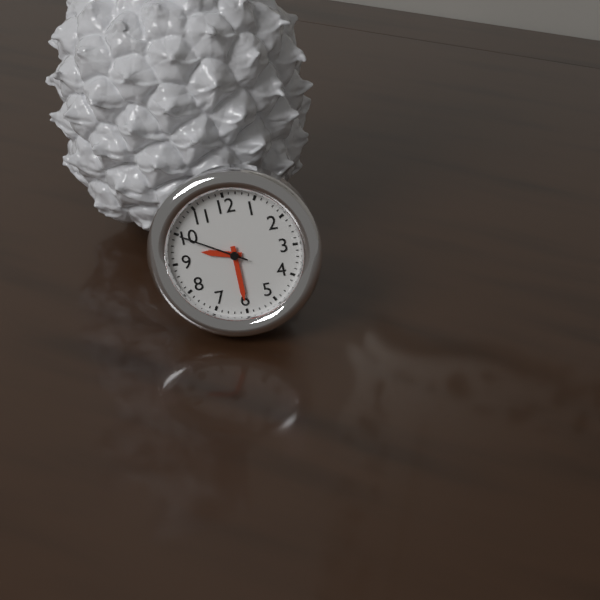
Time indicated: 9:30:50
